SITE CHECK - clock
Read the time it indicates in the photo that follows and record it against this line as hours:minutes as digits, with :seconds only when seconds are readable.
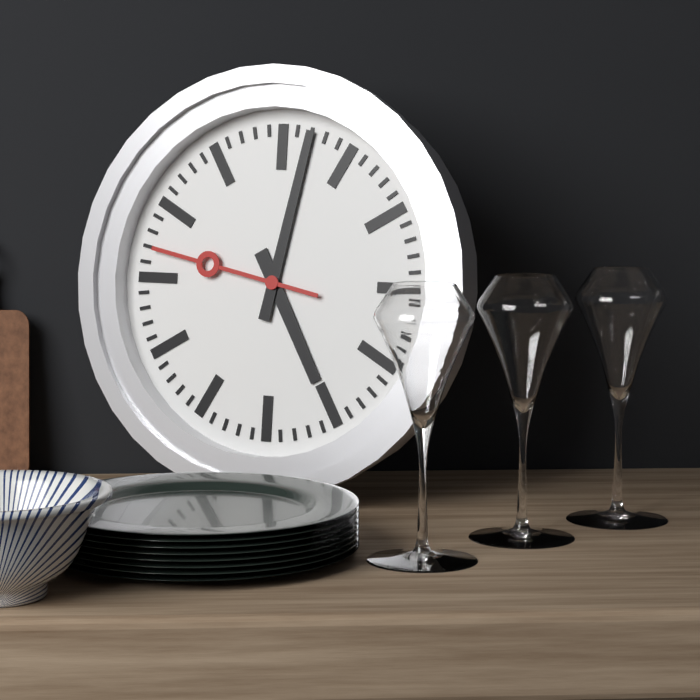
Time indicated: 5:02:47
